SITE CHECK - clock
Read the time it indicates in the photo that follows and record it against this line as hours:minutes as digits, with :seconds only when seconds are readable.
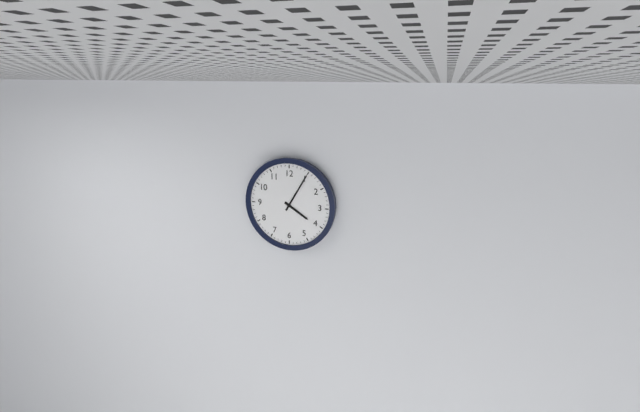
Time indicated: 4:05
